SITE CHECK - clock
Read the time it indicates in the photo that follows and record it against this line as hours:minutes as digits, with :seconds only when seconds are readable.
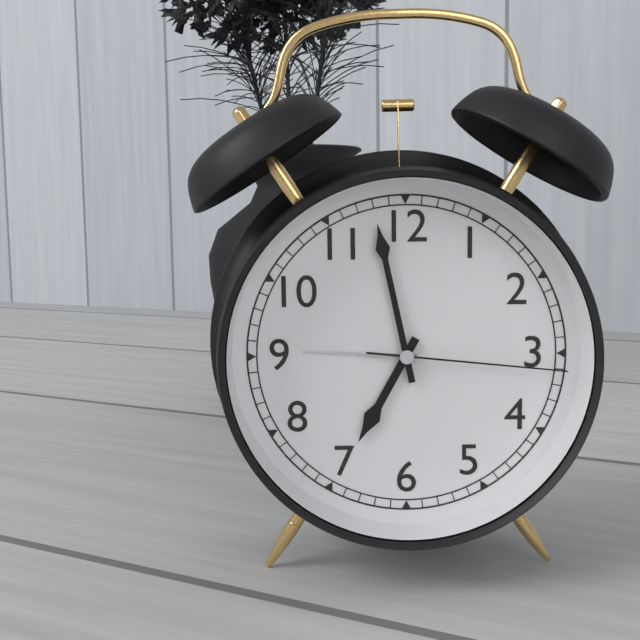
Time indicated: 6:58:16
